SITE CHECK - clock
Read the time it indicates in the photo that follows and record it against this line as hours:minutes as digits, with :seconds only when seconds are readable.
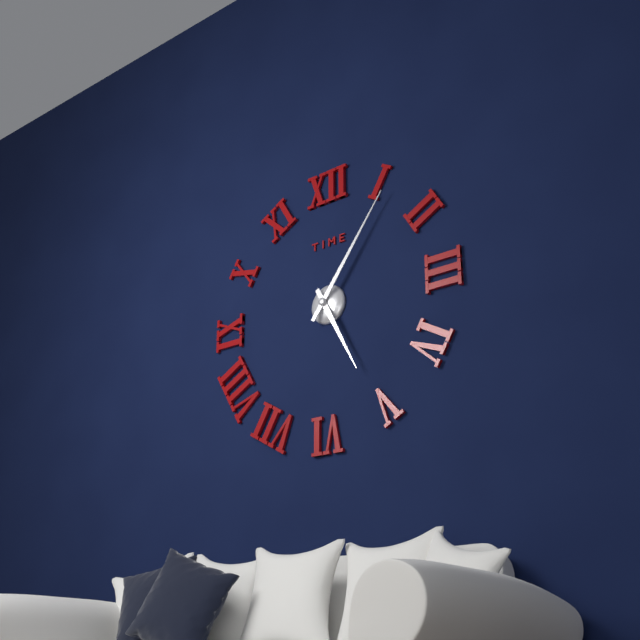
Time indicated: 5:06
